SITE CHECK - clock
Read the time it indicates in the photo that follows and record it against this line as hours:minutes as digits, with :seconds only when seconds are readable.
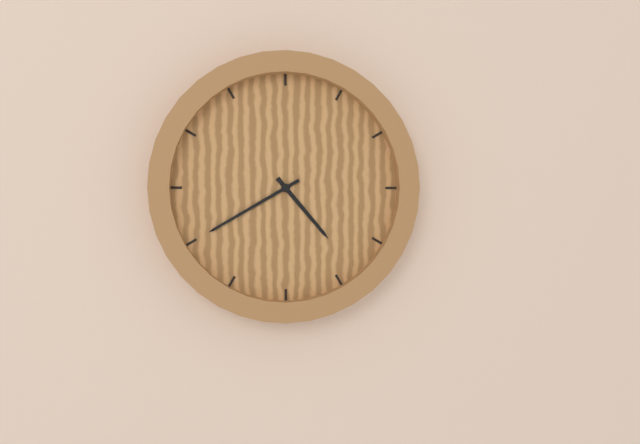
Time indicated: 4:40
